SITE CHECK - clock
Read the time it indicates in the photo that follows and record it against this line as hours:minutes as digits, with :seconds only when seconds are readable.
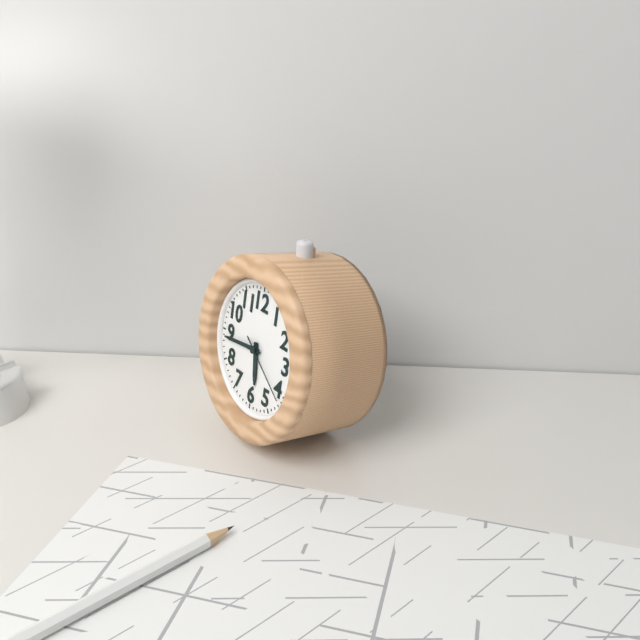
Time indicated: 5:44:21
